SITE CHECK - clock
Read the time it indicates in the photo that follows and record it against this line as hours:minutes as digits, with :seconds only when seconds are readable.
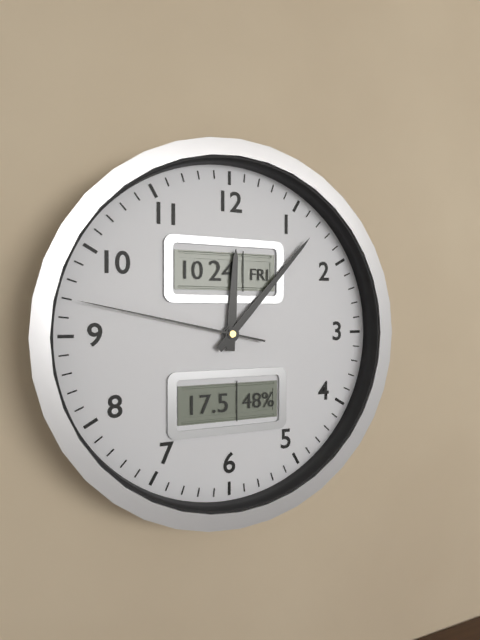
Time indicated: 12:07:47
